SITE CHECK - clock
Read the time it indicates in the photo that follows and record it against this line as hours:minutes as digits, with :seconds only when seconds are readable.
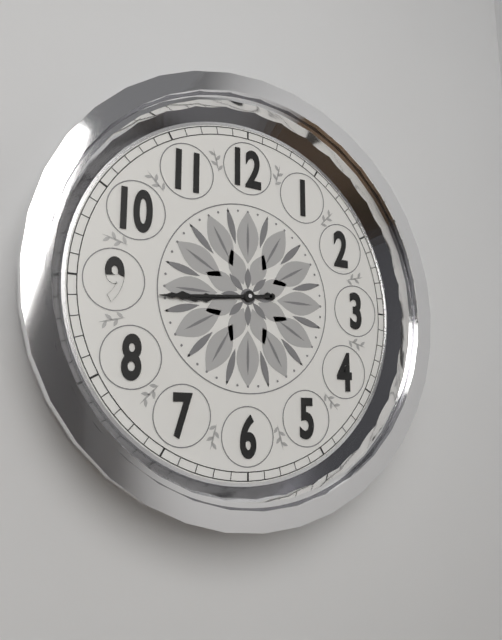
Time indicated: 8:44
